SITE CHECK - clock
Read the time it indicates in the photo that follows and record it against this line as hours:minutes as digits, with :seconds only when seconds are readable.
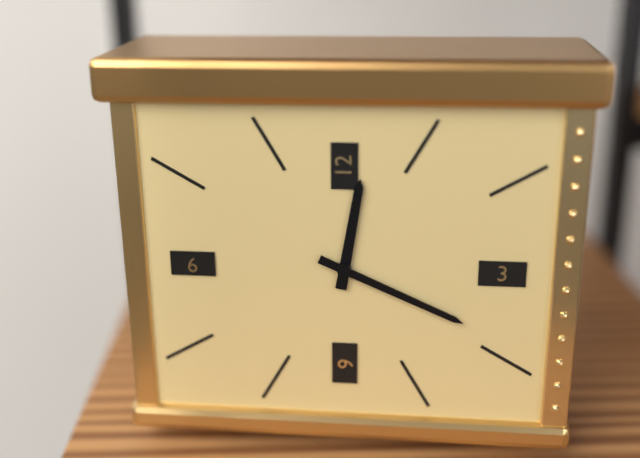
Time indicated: 12:19
